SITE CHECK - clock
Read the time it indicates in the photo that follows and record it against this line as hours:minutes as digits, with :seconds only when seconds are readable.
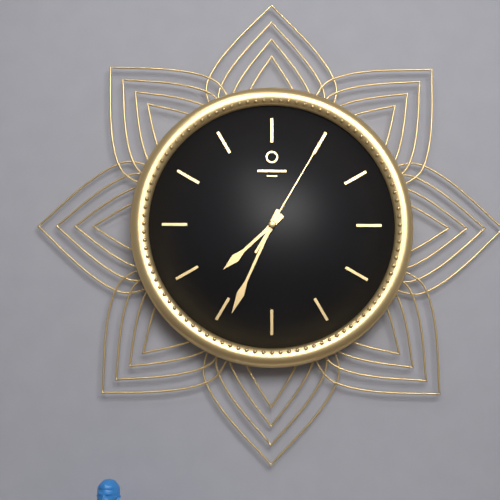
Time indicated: 7:34:05
